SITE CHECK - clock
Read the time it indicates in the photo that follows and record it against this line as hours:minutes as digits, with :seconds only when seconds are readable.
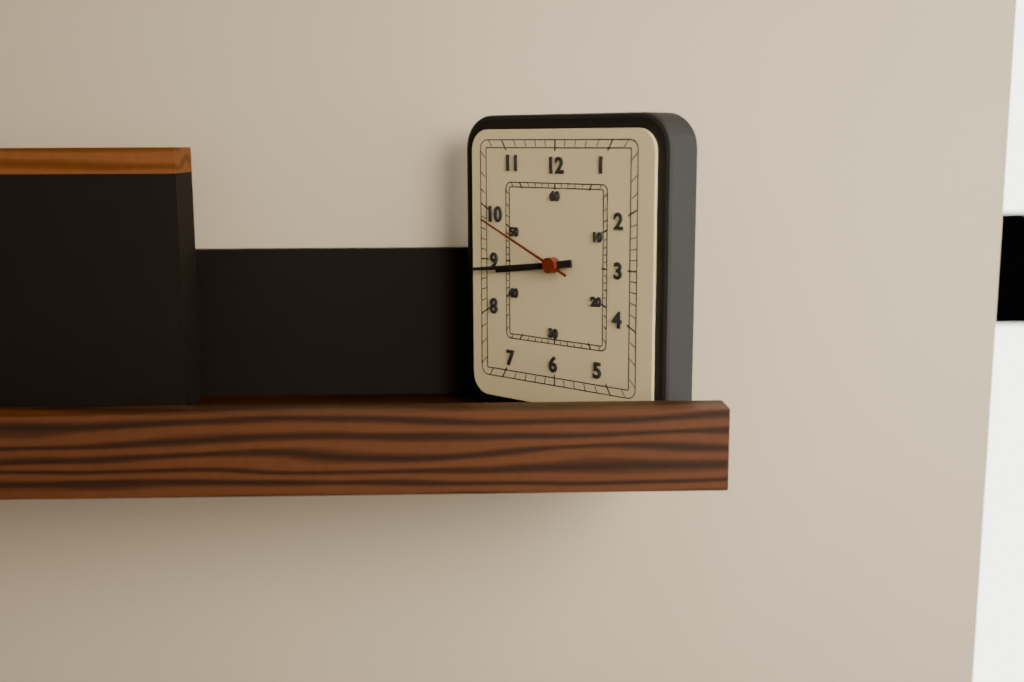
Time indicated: 8:44:49
